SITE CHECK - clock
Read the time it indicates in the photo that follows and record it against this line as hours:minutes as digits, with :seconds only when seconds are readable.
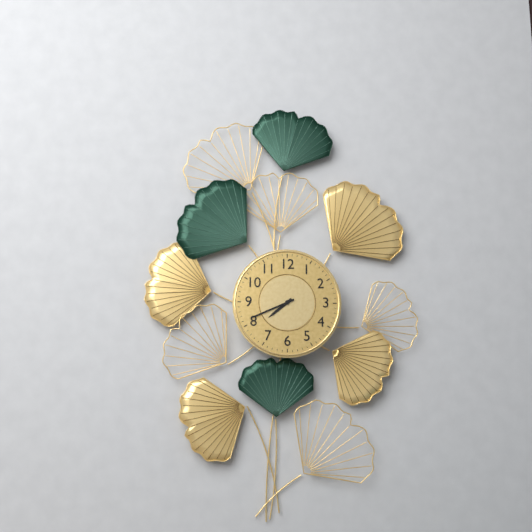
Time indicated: 7:41
